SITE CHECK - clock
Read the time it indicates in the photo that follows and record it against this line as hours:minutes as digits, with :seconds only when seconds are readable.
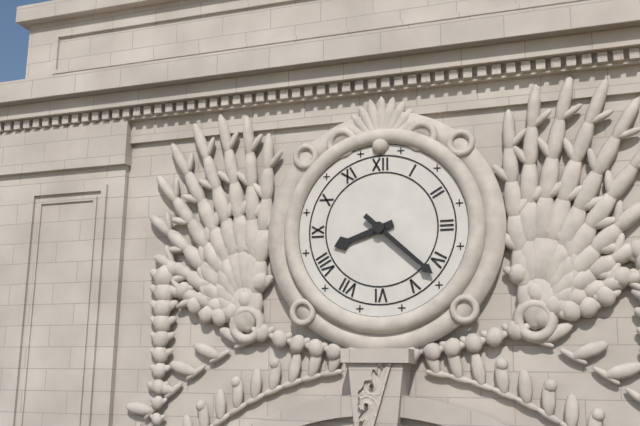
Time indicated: 8:22
